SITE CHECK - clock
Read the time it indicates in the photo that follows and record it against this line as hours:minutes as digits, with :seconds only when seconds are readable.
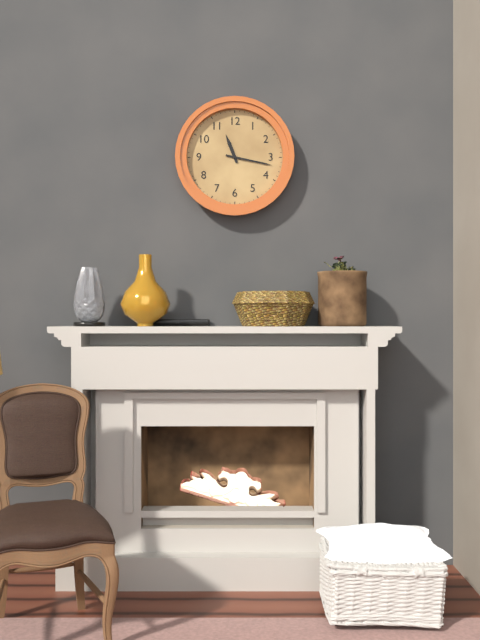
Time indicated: 11:17
